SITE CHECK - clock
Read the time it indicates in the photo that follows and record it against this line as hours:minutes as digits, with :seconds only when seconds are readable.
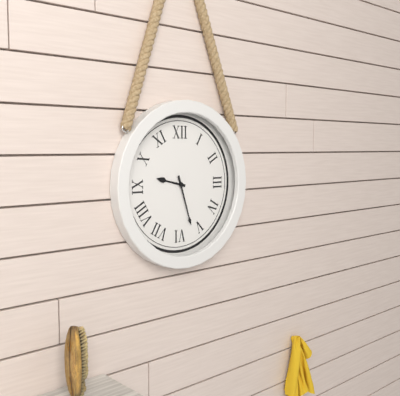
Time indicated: 9:27
